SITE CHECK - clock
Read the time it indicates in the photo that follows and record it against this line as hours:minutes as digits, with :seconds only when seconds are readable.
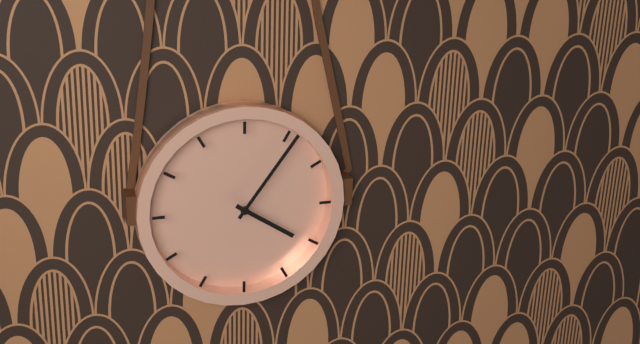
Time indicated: 4:06
